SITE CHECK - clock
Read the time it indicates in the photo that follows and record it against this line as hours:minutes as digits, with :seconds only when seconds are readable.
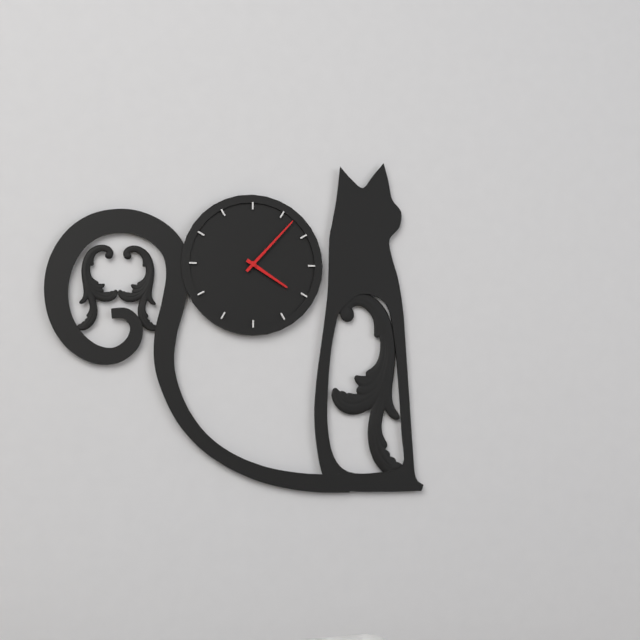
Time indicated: 4:07
